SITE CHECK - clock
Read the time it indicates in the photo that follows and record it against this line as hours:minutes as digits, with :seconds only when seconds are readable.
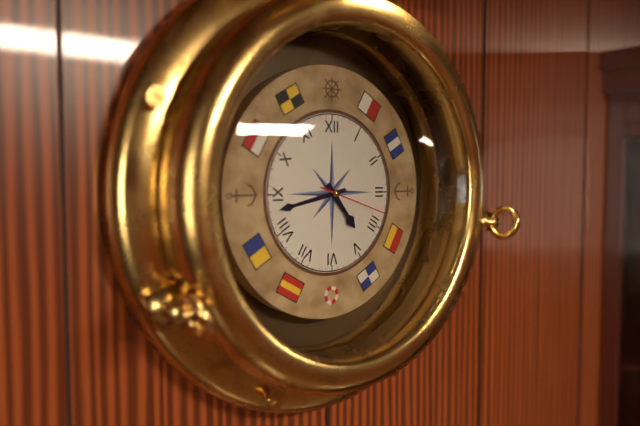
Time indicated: 4:43:18
